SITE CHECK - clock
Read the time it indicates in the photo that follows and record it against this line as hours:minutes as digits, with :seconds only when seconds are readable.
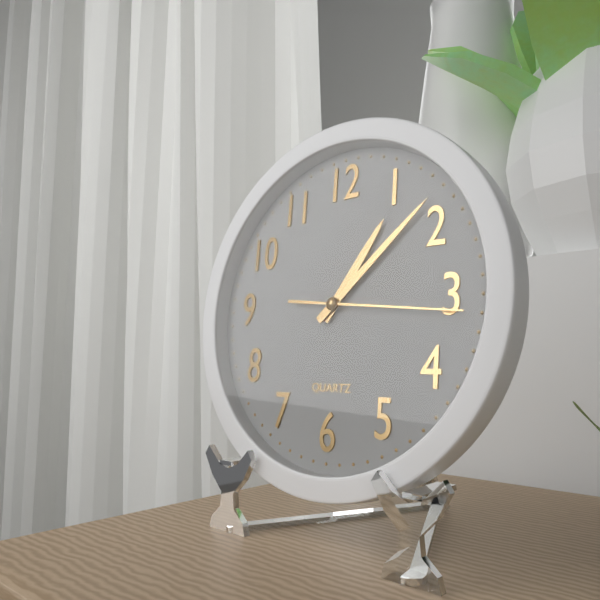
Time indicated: 1:08:16
